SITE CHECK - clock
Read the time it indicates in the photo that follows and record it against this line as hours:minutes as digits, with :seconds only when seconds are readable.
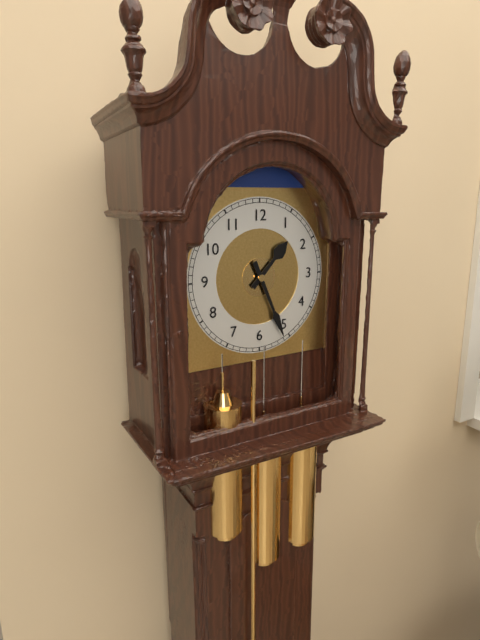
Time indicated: 1:26
